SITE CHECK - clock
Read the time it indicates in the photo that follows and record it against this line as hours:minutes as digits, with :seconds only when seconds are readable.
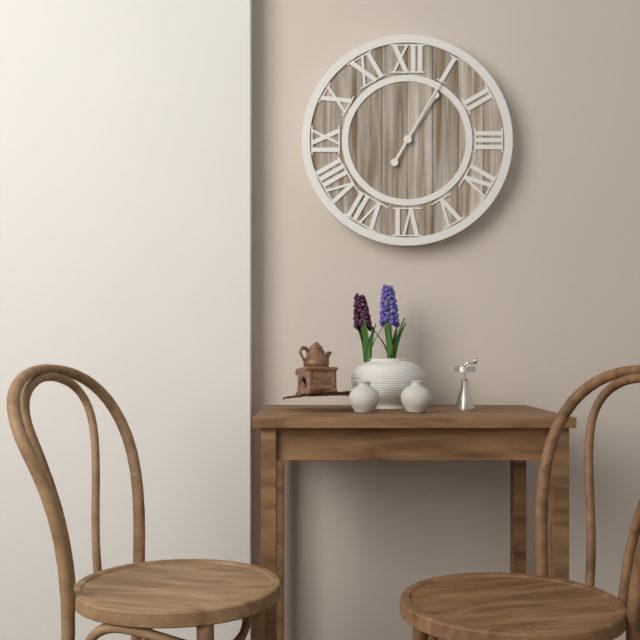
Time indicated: 1:05
